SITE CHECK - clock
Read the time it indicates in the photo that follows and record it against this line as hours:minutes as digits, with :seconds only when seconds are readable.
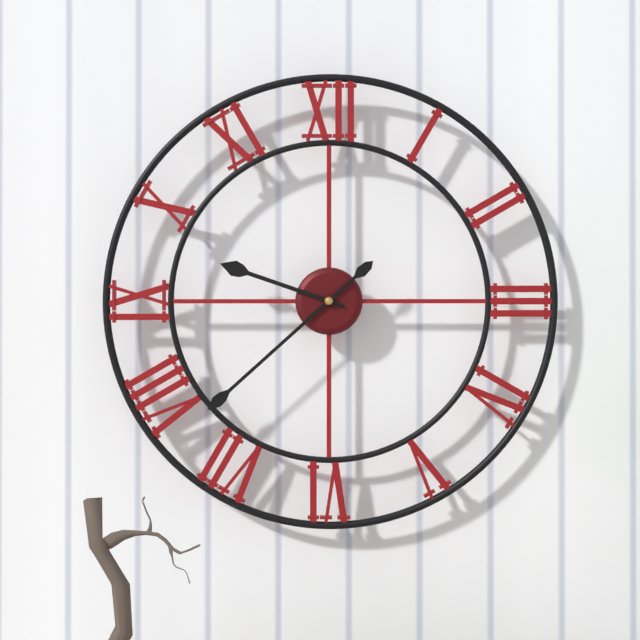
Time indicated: 9:38
